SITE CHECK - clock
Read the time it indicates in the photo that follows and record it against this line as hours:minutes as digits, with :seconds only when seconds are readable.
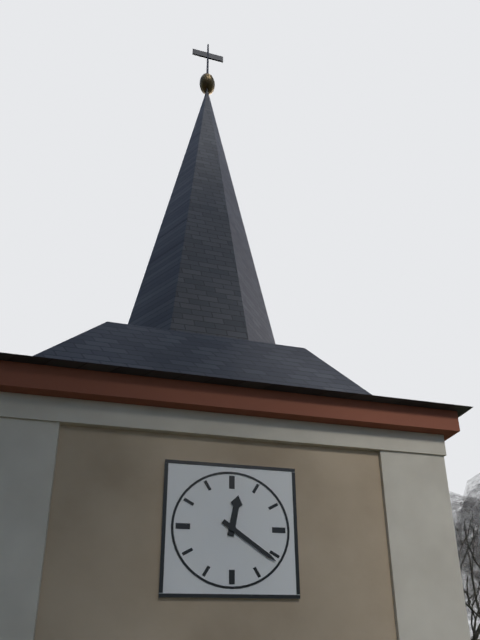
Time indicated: 12:21
